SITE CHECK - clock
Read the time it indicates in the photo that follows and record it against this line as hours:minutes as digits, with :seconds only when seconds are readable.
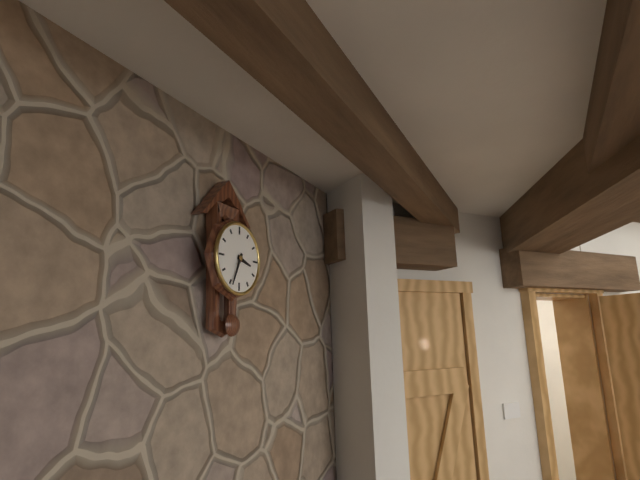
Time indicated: 3:34
